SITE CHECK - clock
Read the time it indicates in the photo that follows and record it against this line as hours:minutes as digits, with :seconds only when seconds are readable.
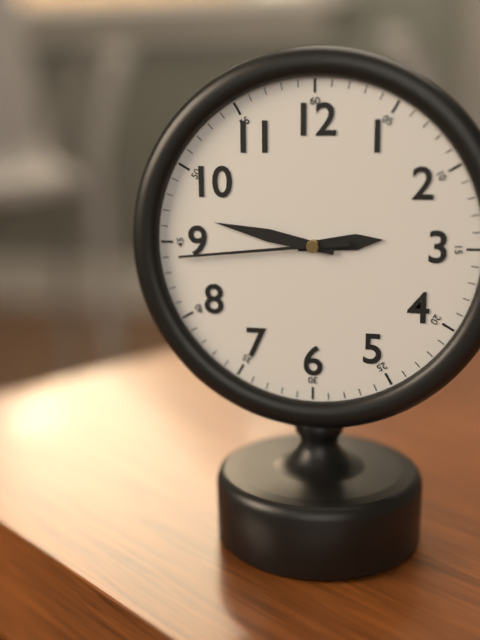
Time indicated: 2:47:44
